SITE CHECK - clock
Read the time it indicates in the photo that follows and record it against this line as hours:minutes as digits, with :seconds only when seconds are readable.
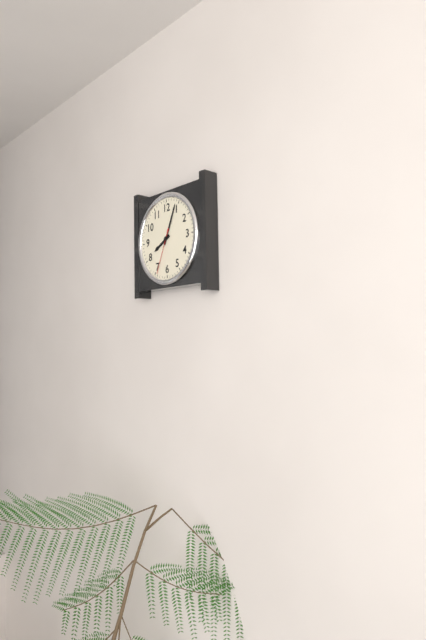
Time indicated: 8:04
